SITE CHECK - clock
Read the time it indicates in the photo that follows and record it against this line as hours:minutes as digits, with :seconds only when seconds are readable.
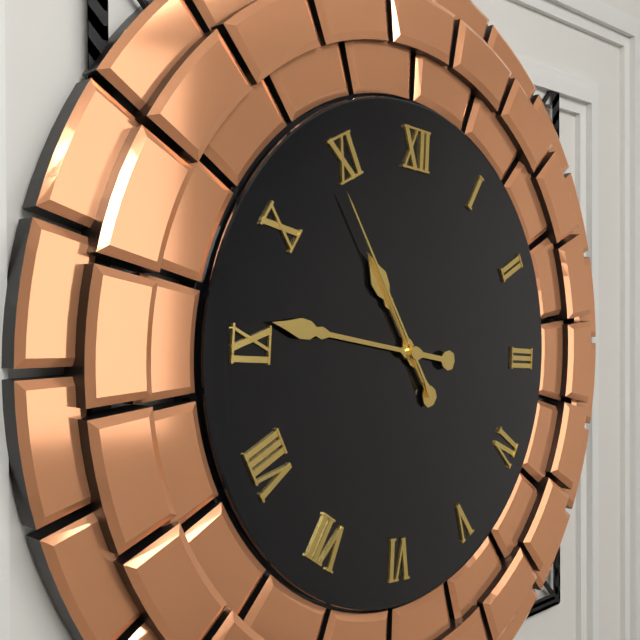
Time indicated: 10:46:54
